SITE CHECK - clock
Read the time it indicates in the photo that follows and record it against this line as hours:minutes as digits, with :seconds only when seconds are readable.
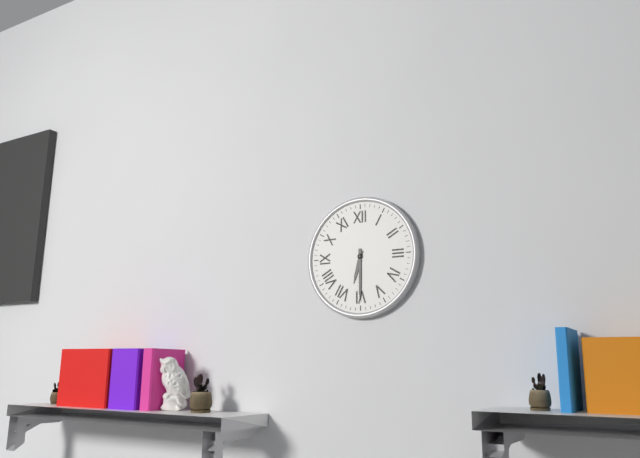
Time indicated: 6:30
